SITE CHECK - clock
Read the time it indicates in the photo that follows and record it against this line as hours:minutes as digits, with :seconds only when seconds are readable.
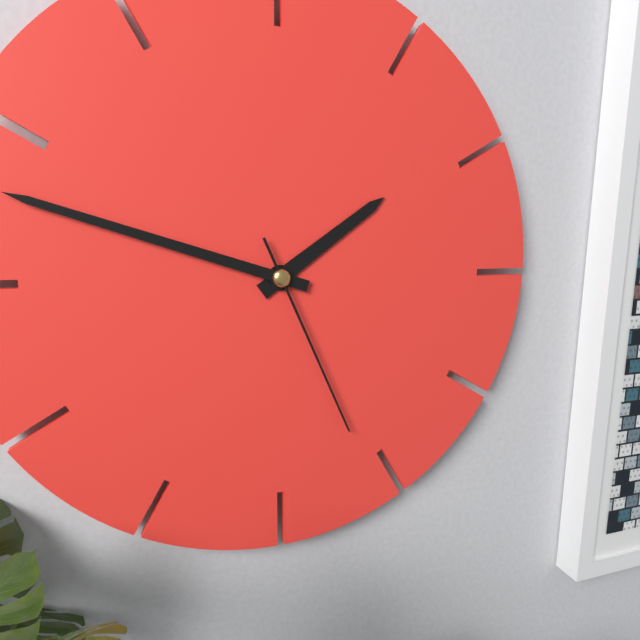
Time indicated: 1:48:26
